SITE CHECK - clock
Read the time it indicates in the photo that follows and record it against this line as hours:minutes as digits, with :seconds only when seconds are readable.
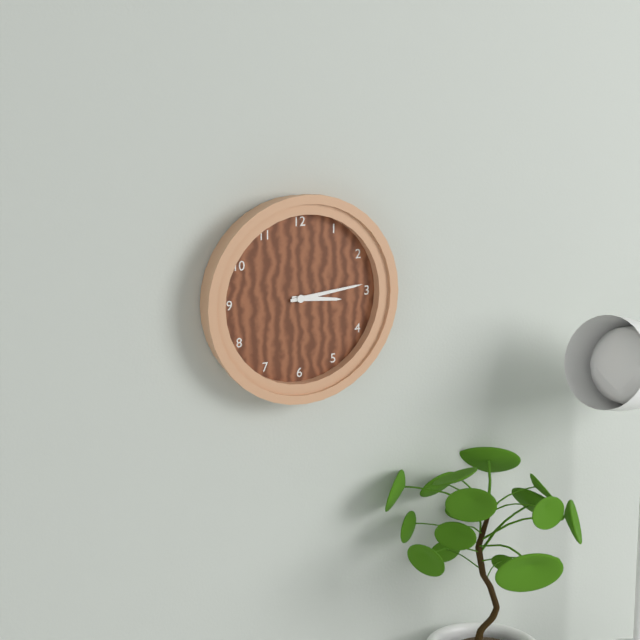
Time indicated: 3:14
